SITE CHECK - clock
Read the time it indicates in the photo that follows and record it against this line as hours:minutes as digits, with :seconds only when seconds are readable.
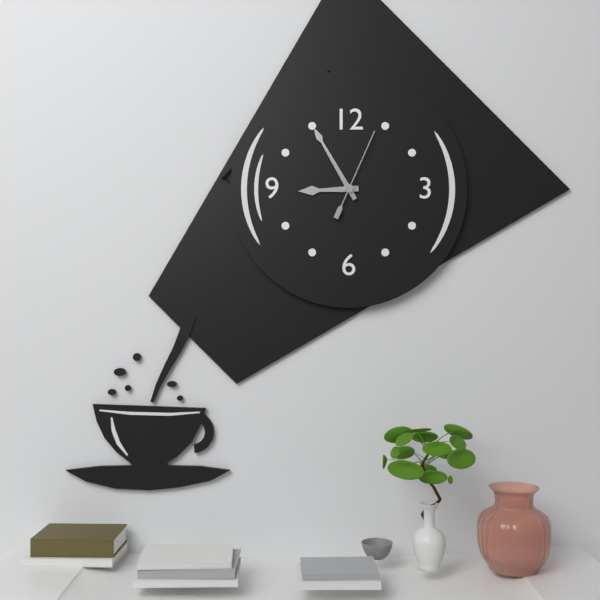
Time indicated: 8:55:04
